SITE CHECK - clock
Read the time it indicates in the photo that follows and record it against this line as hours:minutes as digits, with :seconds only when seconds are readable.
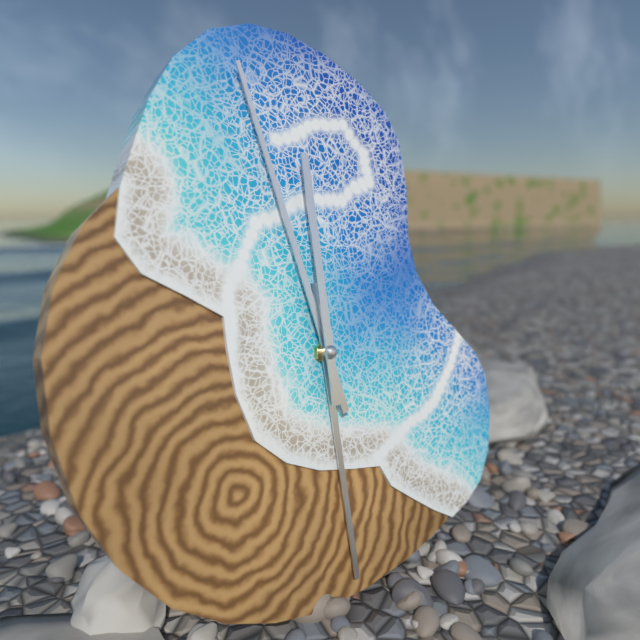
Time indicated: 5:58:00
